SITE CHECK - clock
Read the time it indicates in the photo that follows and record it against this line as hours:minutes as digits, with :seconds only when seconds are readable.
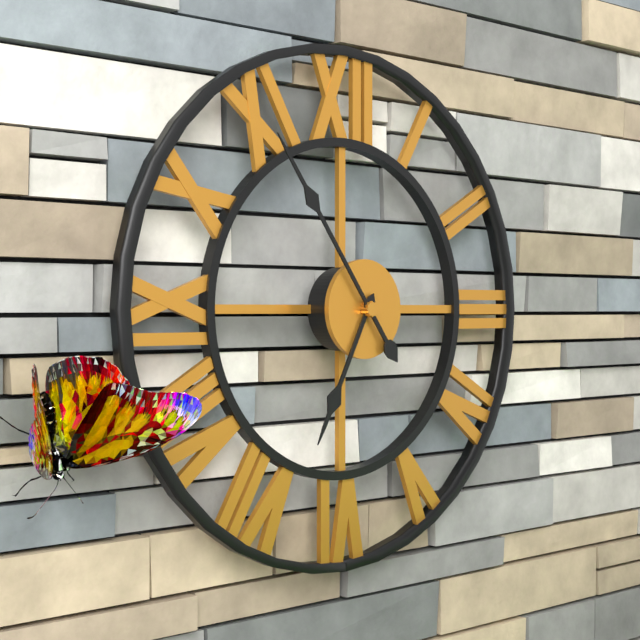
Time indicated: 6:54
